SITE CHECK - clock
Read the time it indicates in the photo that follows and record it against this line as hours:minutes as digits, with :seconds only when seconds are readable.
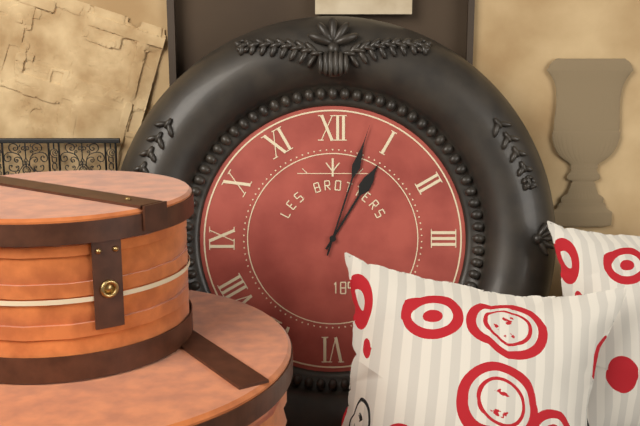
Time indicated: 1:03
